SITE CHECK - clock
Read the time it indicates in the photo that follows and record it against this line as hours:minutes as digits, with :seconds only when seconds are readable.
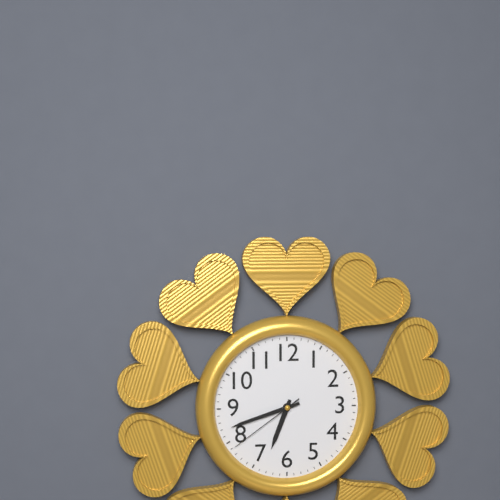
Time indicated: 6:42:39
